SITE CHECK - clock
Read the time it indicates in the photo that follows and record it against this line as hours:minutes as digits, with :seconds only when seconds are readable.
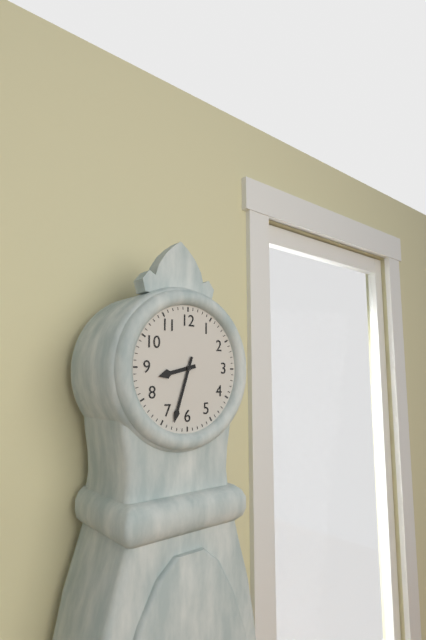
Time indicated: 8:33
